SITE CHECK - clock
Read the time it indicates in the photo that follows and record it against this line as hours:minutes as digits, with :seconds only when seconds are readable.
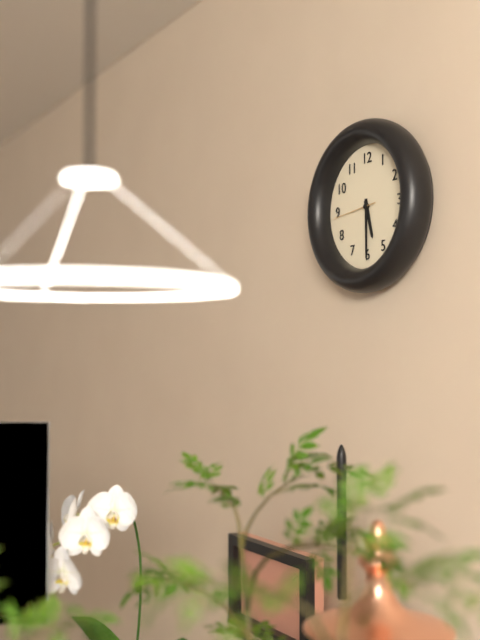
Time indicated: 5:30
